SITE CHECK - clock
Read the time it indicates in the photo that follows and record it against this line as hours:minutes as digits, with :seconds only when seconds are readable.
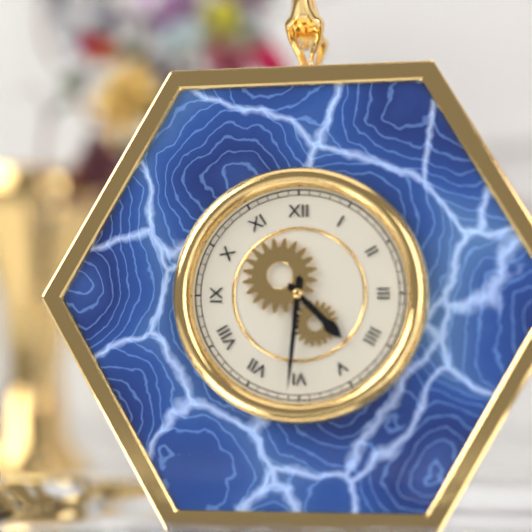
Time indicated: 4:31
